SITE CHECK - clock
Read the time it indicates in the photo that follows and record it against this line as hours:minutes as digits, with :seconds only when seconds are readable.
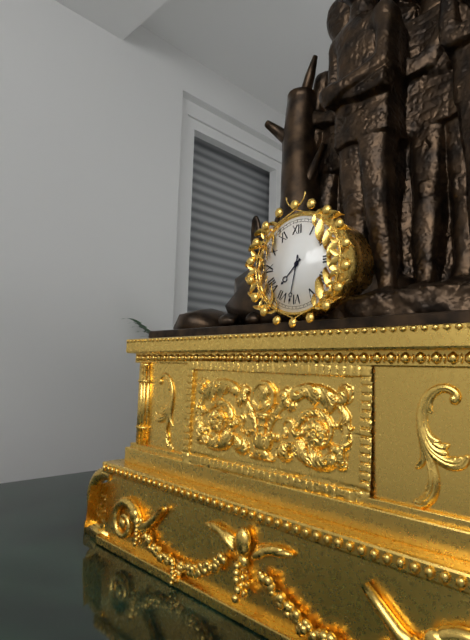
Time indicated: 7:32
